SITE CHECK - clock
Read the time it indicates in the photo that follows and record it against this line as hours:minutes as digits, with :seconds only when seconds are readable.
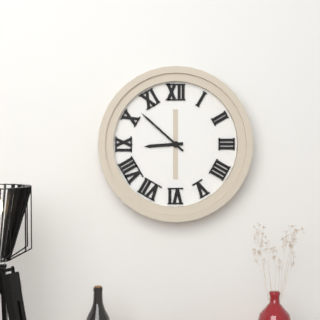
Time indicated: 8:52
